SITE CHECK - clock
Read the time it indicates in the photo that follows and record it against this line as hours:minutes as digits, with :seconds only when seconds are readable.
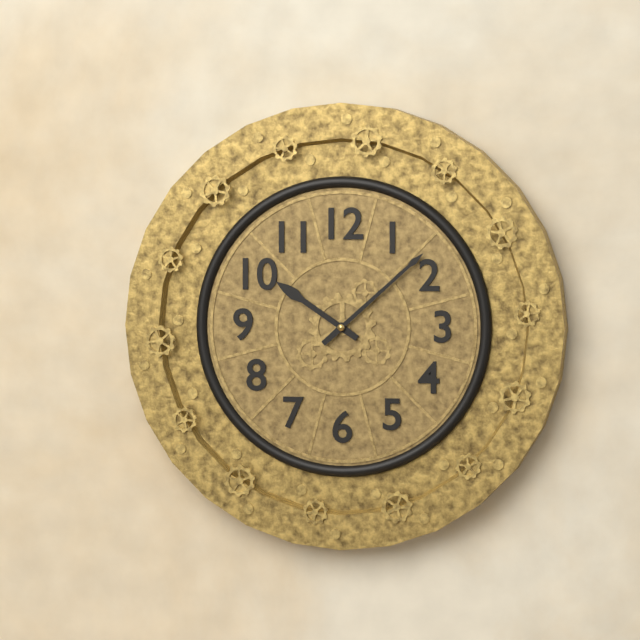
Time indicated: 10:08
